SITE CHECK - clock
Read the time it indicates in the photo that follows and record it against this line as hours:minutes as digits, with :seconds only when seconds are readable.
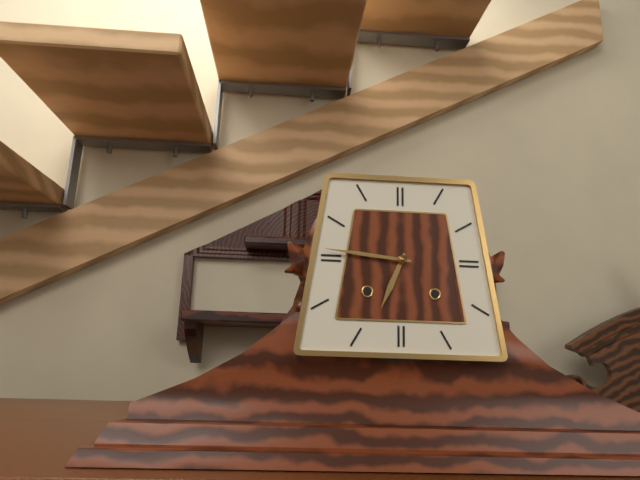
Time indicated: 6:46
